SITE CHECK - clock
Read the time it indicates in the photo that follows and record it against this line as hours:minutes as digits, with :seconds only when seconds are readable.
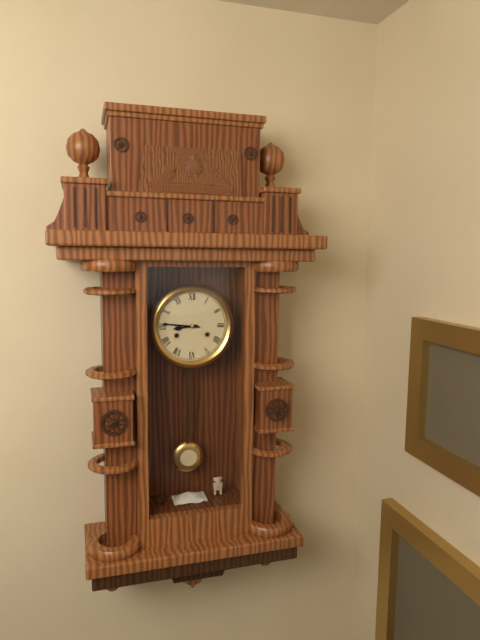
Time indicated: 8:46
